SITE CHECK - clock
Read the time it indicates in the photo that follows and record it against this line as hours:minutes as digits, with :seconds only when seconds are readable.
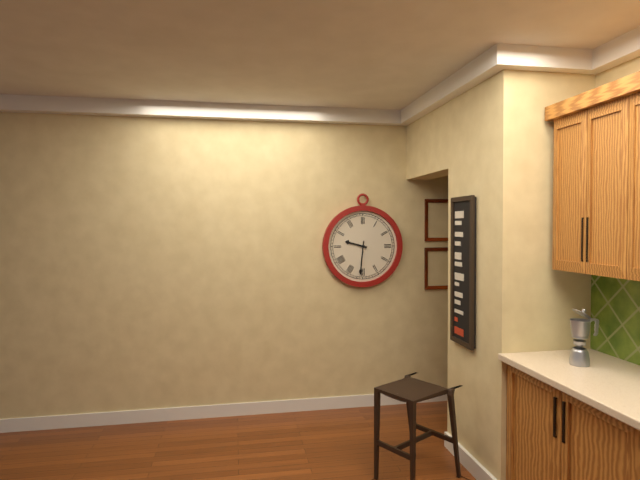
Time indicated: 9:31
